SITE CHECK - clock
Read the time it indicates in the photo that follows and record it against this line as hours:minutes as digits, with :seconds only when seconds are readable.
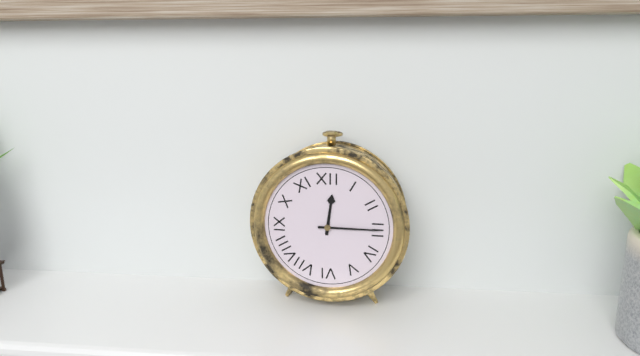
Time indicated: 12:15
